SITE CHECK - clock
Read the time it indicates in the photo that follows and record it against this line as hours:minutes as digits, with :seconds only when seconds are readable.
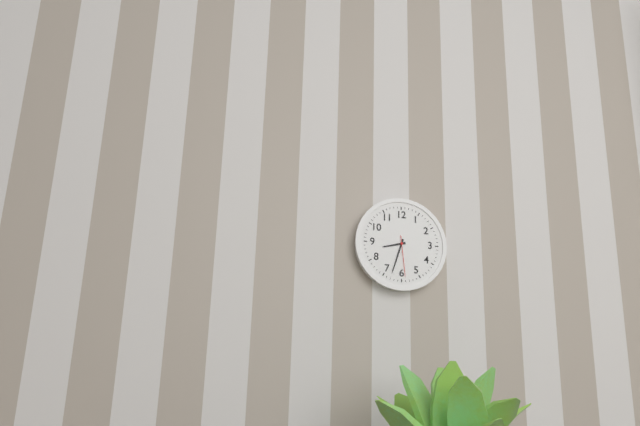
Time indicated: 8:33
